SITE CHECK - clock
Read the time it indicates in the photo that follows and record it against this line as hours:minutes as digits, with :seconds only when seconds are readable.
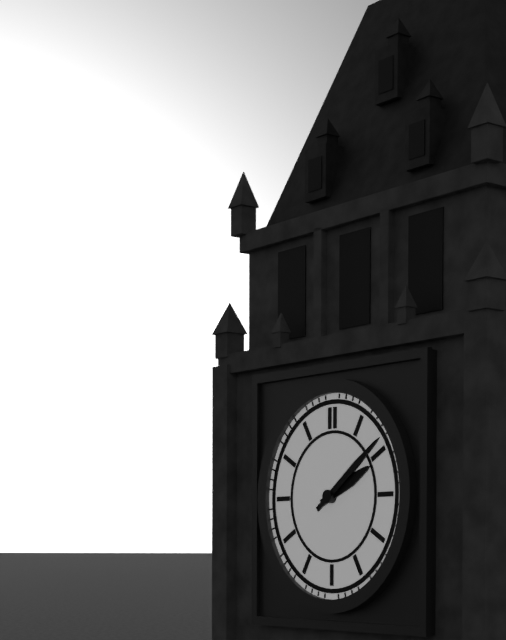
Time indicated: 2:09
